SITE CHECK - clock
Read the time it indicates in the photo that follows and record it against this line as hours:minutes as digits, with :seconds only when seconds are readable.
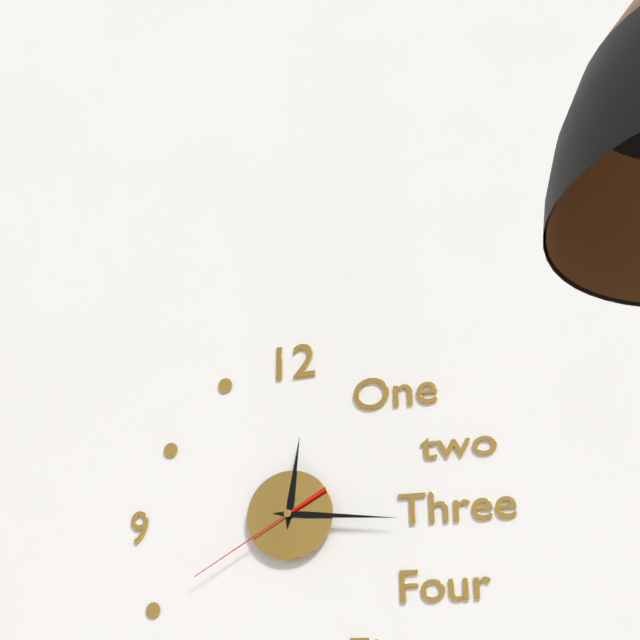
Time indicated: 12:16:40
